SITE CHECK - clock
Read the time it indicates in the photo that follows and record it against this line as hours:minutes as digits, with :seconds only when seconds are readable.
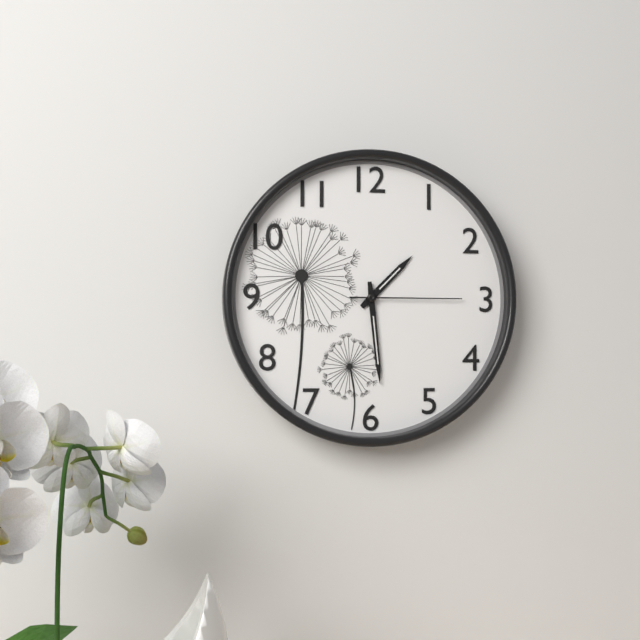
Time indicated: 1:29:15
